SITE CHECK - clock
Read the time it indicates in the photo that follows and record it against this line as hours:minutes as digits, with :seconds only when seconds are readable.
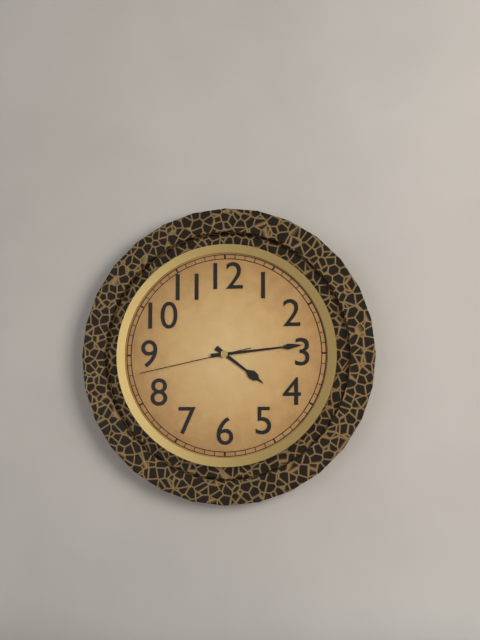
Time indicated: 4:14:43
